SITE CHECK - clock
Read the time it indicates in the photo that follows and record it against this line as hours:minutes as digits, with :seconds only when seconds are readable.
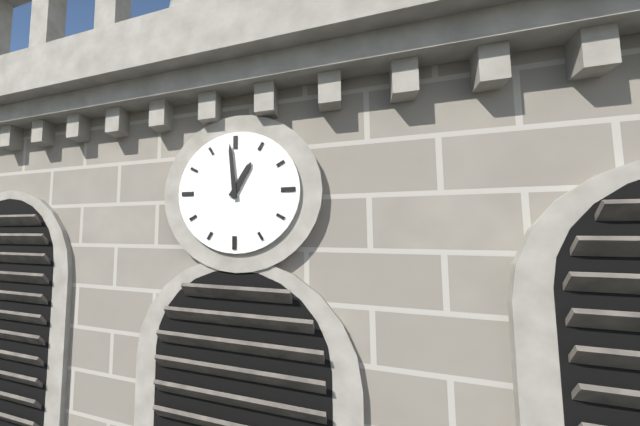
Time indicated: 12:59
